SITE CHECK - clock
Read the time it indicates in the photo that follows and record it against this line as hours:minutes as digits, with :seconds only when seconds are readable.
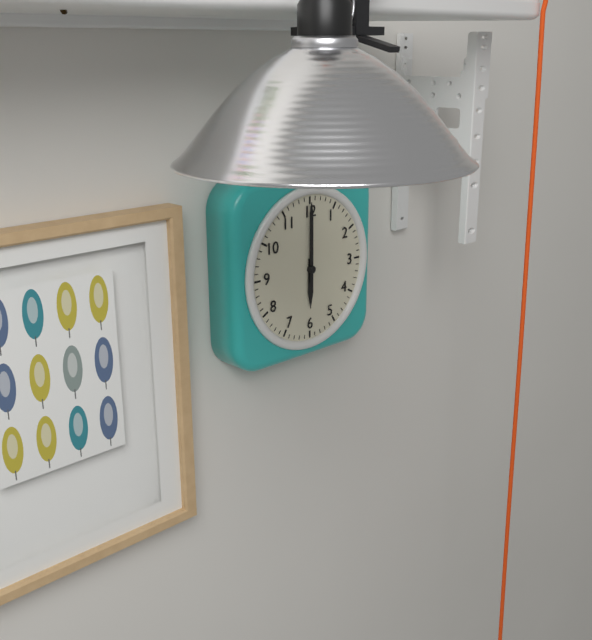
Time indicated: 6:00
